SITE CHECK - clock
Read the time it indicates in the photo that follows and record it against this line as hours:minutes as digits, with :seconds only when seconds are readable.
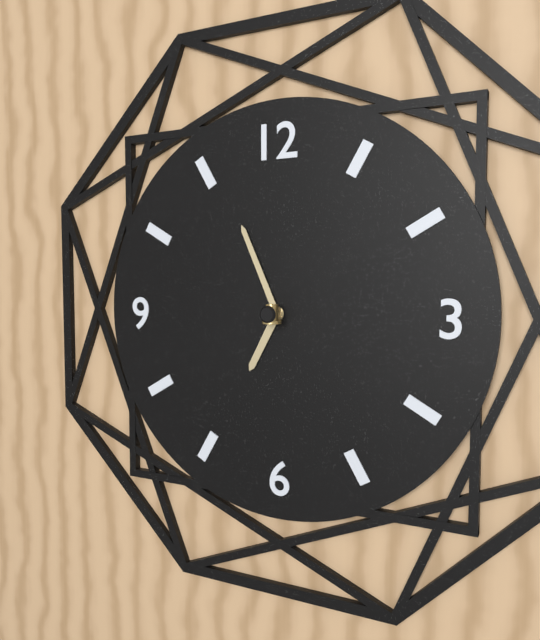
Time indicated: 6:56
